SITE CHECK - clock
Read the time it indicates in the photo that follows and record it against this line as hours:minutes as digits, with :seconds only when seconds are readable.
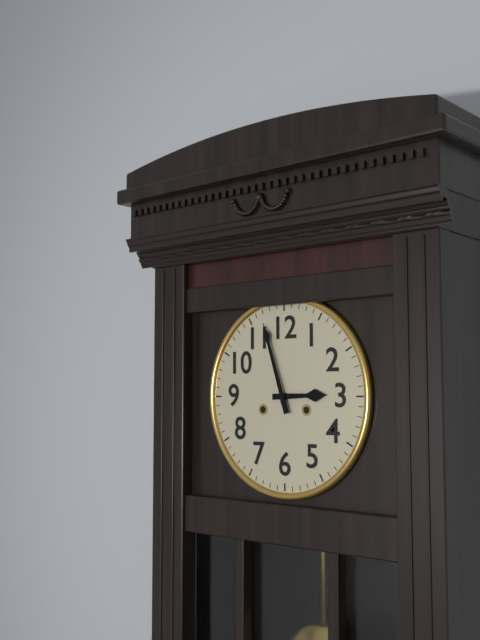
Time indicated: 2:57
